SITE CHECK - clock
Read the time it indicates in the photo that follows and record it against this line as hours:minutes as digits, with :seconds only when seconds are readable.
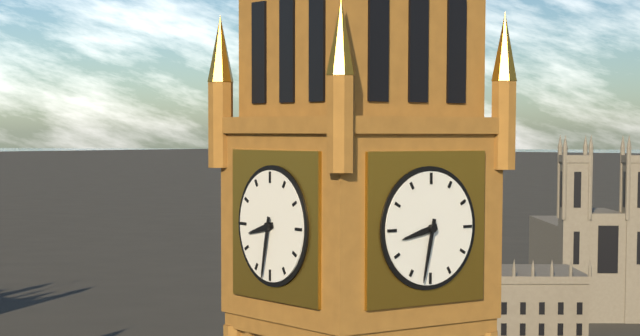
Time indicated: 8:32
